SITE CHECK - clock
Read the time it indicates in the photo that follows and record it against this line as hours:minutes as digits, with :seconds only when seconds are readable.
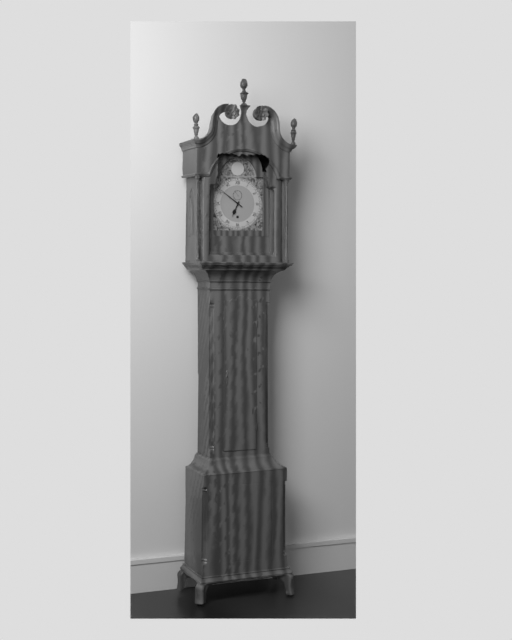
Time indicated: 6:51
